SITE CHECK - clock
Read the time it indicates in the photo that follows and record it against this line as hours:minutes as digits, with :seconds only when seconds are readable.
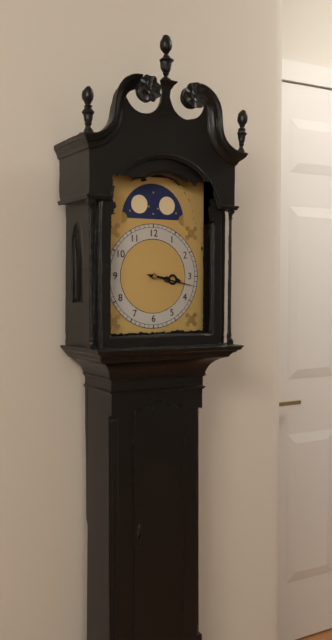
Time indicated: 3:17
